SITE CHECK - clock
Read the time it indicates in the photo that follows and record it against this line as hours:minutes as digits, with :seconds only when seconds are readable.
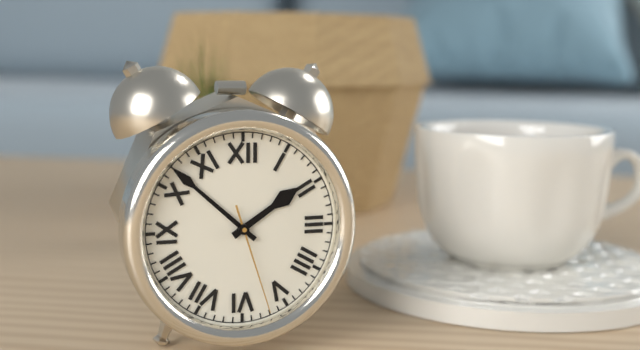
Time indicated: 1:52:27
